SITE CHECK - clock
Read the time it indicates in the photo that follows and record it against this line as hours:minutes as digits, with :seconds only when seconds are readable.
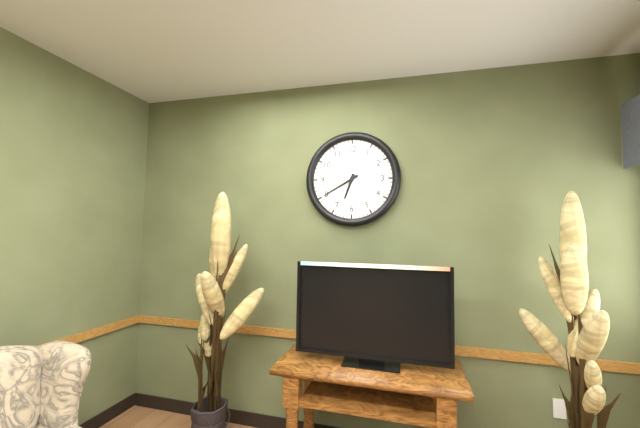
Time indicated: 6:40
